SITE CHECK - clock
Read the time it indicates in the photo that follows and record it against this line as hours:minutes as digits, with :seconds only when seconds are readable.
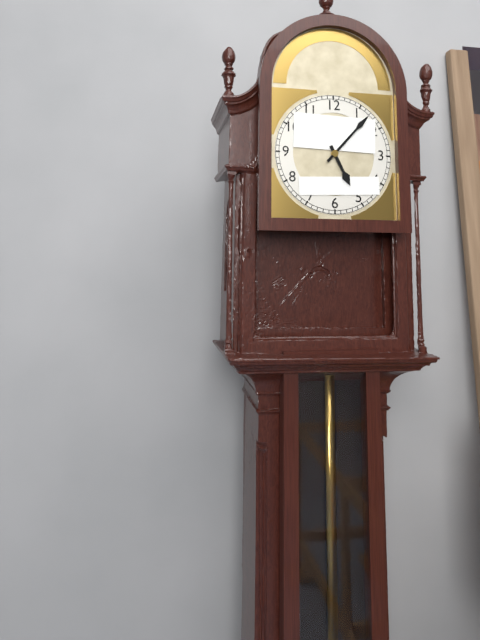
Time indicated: 5:07
